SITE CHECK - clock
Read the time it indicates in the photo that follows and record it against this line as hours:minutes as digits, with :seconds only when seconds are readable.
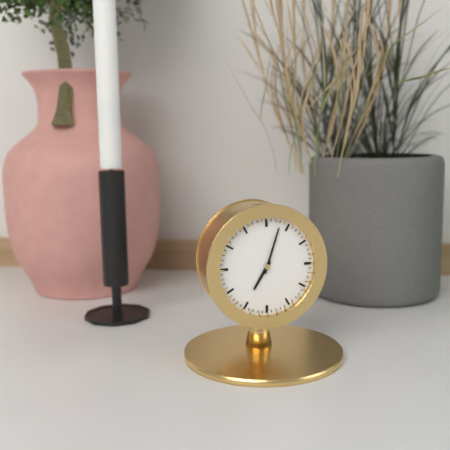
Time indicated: 7:03
